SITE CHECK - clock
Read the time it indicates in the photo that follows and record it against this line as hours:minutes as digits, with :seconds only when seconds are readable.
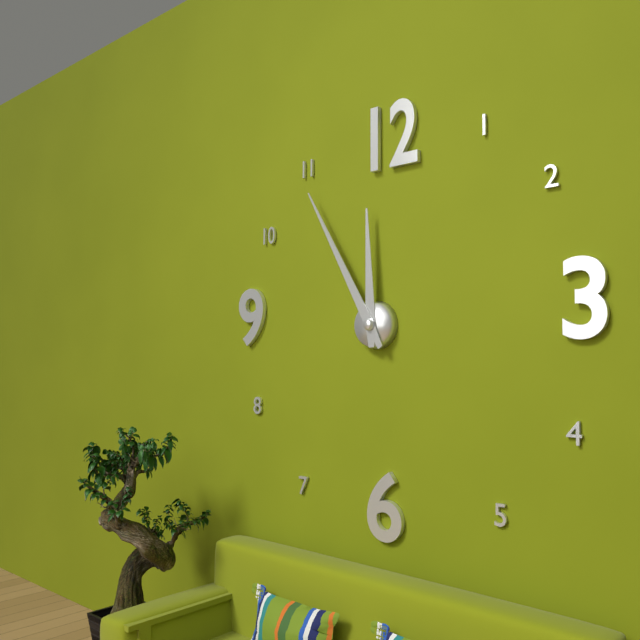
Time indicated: 11:55
